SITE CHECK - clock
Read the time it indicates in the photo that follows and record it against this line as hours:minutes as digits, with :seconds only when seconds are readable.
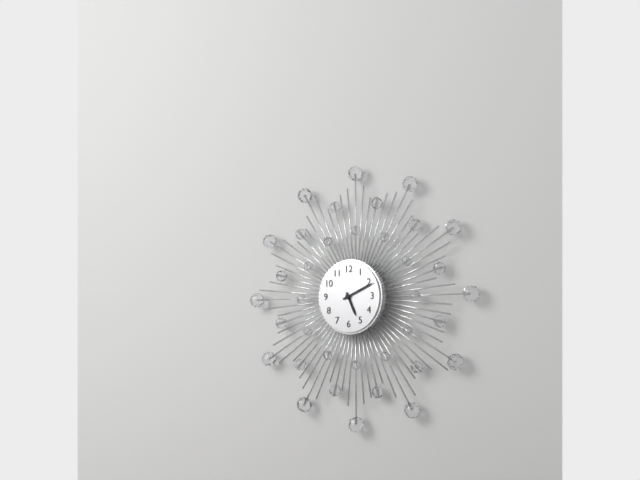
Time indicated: 5:11
